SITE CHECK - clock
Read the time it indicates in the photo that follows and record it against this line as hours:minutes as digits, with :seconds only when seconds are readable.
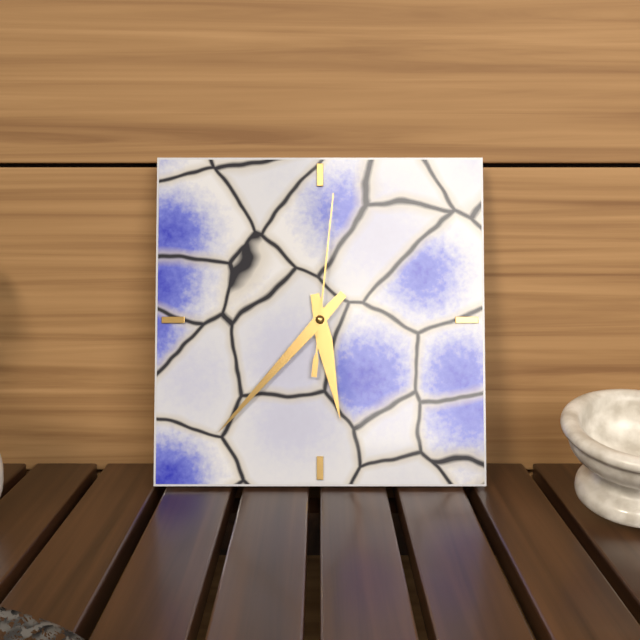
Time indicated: 5:37:01
